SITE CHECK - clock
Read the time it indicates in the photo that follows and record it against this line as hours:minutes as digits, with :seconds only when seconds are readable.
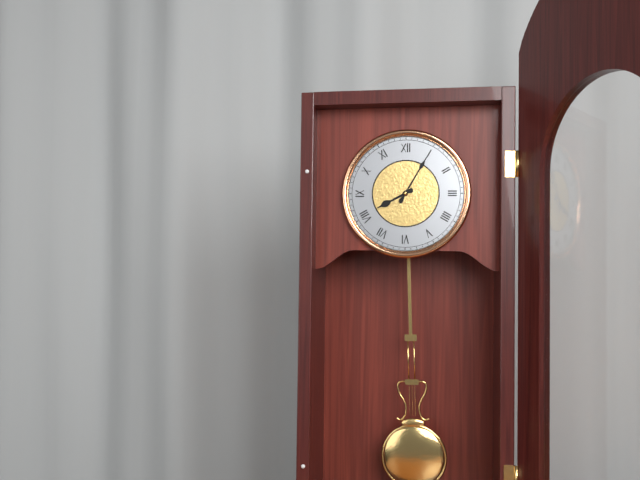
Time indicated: 8:05
